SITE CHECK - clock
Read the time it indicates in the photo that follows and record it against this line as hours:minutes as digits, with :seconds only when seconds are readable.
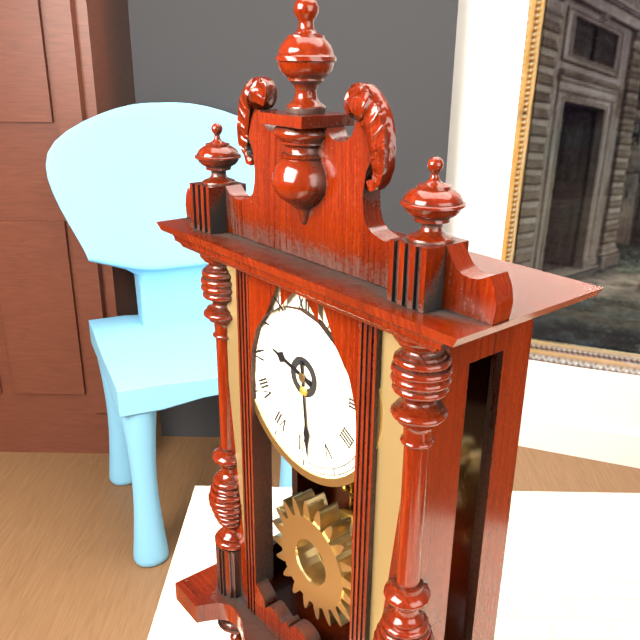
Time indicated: 9:29
